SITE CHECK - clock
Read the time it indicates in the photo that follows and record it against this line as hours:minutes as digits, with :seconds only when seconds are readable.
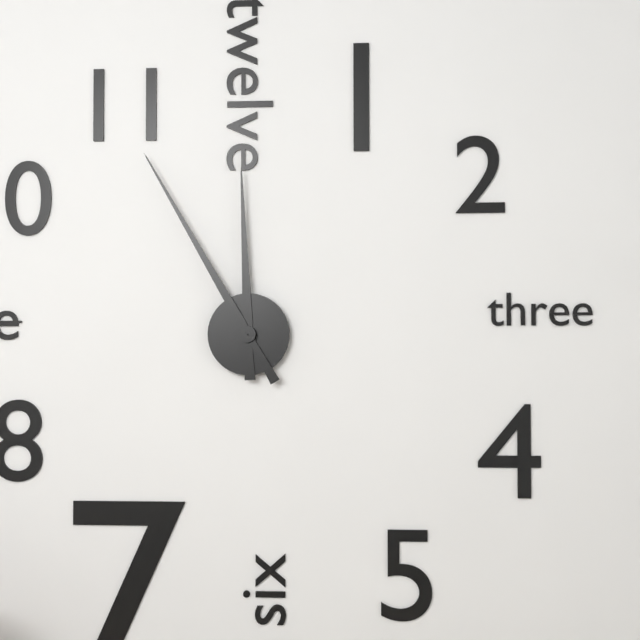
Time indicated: 11:55
